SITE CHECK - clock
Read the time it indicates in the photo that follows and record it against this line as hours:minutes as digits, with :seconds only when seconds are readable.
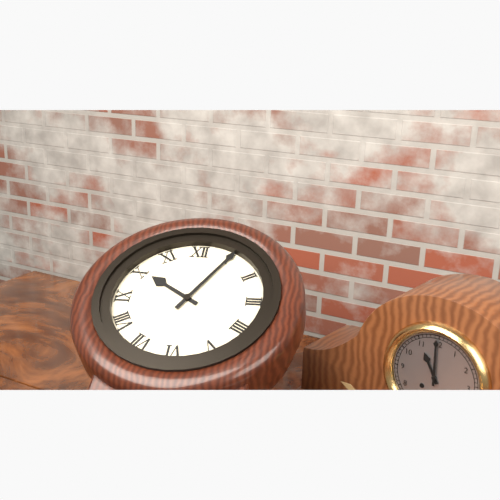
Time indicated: 10:05
